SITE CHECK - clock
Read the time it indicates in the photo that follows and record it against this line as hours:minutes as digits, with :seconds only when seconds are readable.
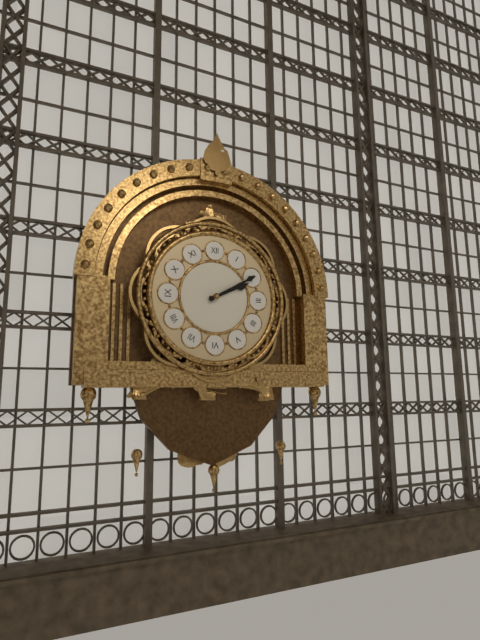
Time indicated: 2:10
